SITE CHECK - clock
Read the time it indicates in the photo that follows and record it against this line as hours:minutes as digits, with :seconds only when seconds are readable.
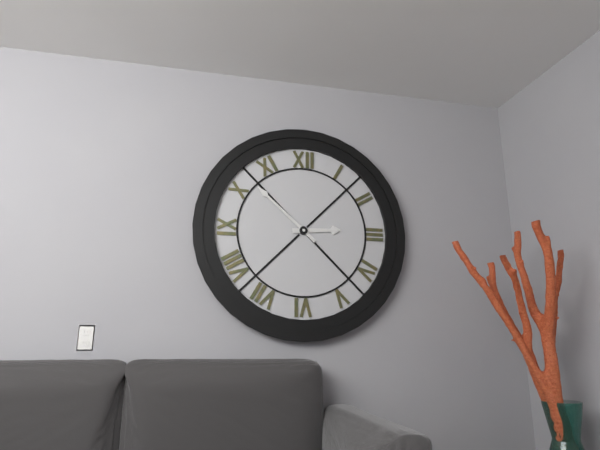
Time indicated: 2:52
